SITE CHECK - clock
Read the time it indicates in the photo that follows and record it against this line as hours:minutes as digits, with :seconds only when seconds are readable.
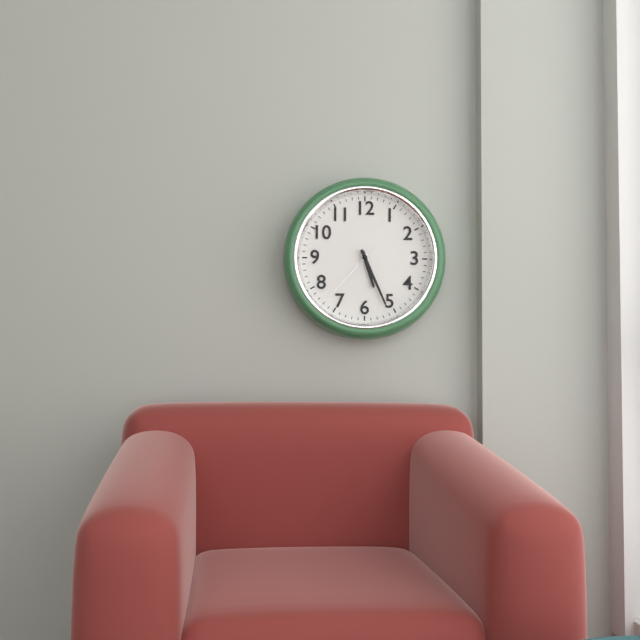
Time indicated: 5:26:37
